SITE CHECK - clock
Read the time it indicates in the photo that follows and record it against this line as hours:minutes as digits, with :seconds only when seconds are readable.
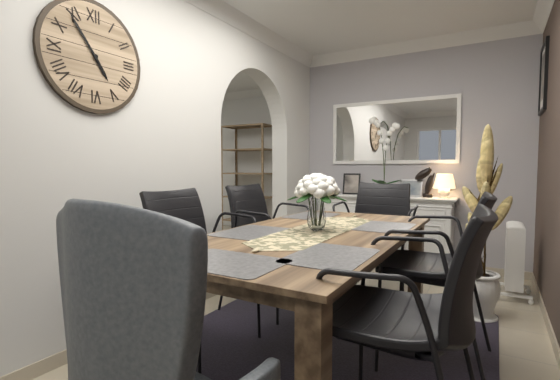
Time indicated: 4:54
